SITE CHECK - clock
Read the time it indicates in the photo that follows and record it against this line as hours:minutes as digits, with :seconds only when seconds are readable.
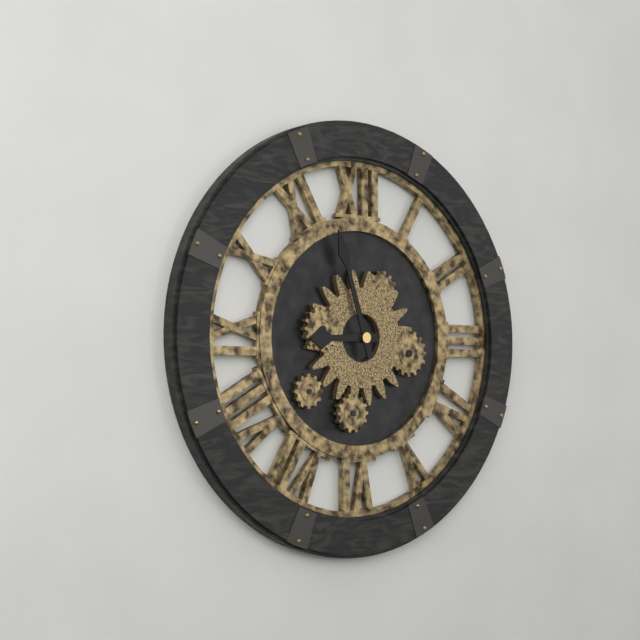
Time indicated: 8:57
